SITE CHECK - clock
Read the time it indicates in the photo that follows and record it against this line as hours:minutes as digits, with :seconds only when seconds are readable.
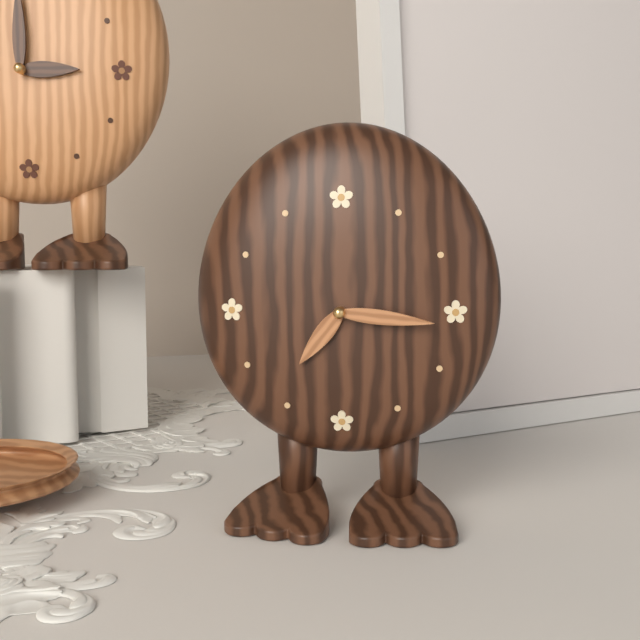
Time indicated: 7:16
